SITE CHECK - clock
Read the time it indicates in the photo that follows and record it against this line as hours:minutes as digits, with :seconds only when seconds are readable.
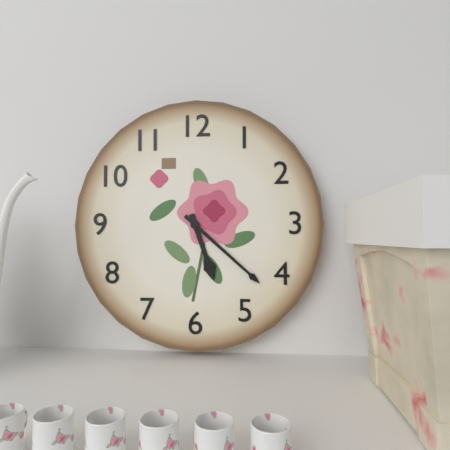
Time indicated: 5:22
